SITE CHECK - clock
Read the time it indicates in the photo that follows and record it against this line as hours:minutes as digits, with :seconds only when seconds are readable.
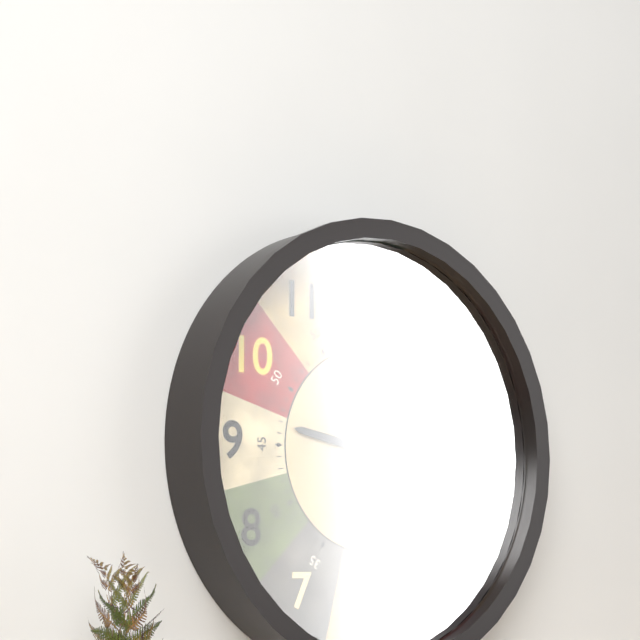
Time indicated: 9:21:26
